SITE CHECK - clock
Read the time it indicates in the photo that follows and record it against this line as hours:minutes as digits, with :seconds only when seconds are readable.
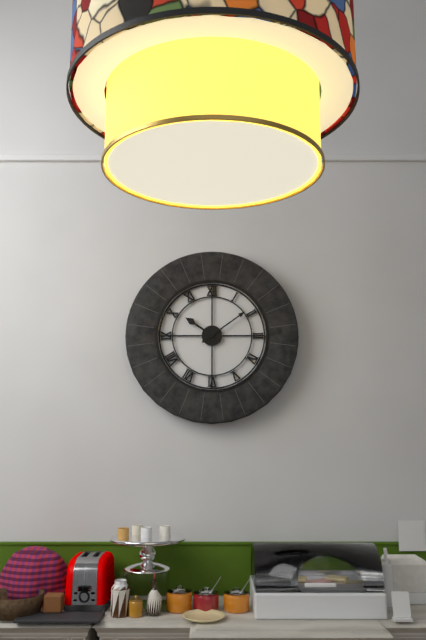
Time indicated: 10:09
